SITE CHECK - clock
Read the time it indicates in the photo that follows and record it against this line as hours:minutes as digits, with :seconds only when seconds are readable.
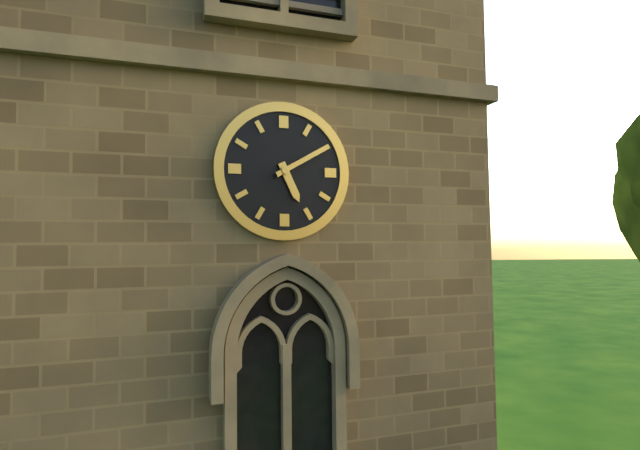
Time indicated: 5:10
